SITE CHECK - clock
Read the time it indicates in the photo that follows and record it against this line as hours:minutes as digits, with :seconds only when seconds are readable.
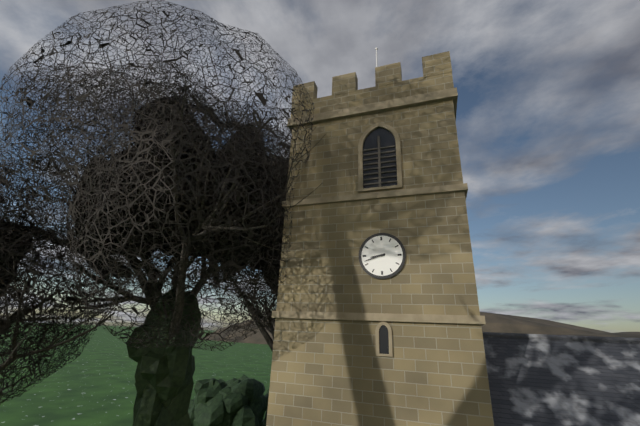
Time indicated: 8:42
